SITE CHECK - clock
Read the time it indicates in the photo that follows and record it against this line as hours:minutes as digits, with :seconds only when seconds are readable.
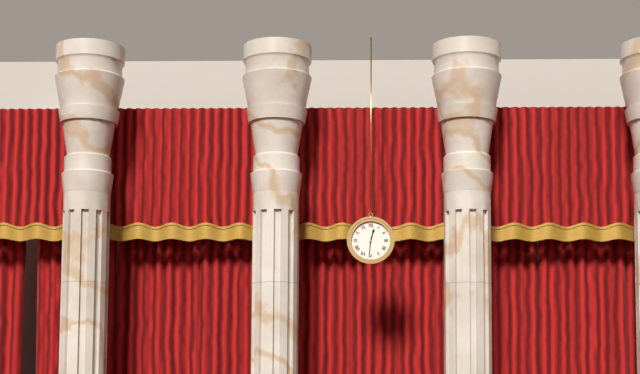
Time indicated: 12:31
